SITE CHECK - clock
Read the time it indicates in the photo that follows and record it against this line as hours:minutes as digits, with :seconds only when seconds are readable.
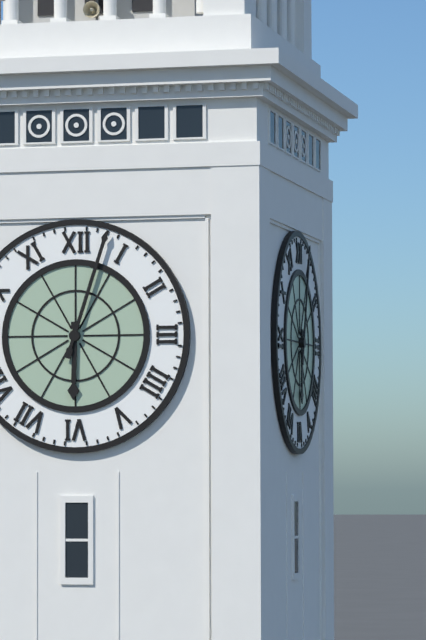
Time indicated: 6:03
